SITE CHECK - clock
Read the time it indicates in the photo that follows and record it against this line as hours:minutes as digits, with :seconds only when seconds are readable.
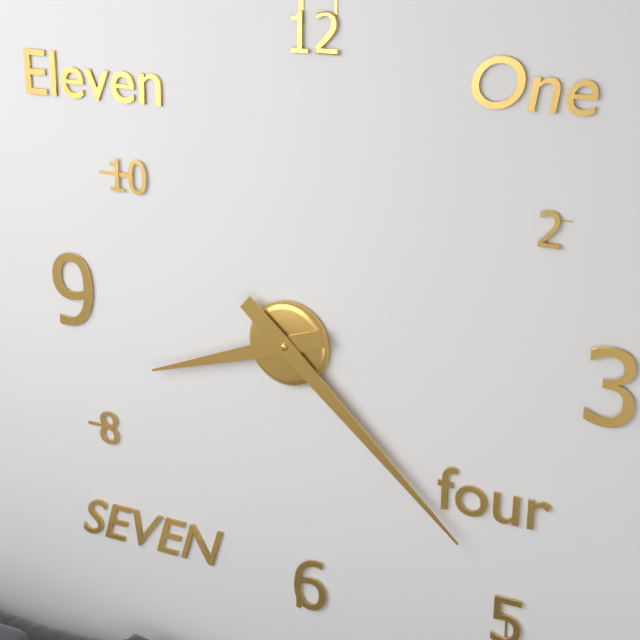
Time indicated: 8:22
